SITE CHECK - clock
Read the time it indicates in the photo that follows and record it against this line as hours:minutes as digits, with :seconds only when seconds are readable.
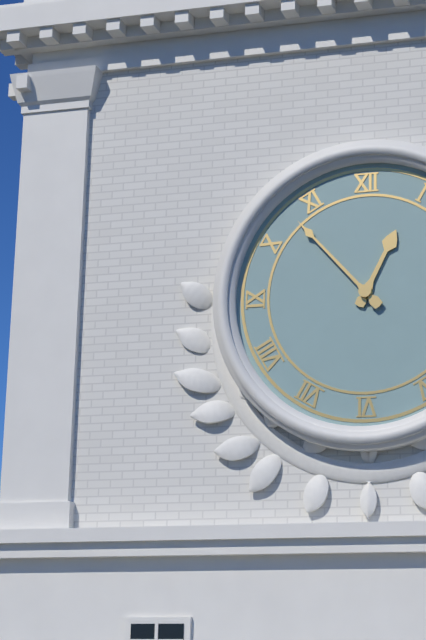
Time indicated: 12:53
